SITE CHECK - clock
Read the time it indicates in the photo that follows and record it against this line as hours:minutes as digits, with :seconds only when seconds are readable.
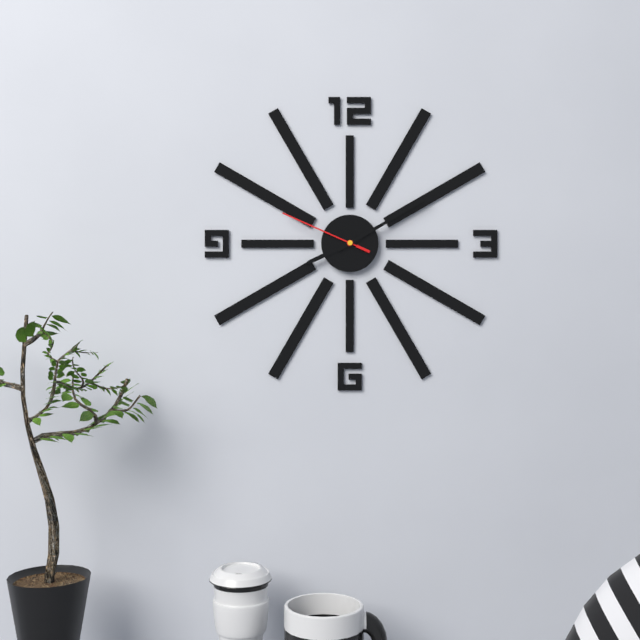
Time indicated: 8:10:49
